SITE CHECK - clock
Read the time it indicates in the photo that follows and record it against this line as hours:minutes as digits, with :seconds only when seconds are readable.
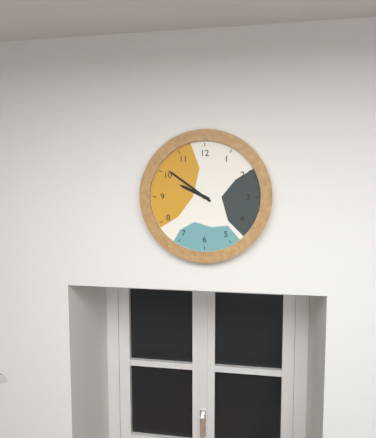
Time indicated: 9:51
